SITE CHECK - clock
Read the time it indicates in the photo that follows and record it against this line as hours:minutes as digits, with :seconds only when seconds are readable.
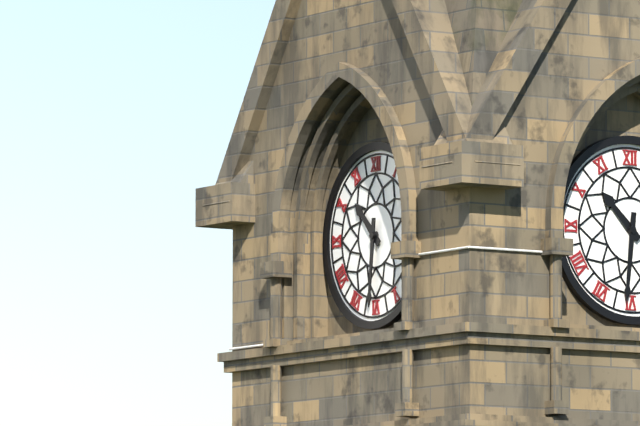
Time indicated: 10:31
